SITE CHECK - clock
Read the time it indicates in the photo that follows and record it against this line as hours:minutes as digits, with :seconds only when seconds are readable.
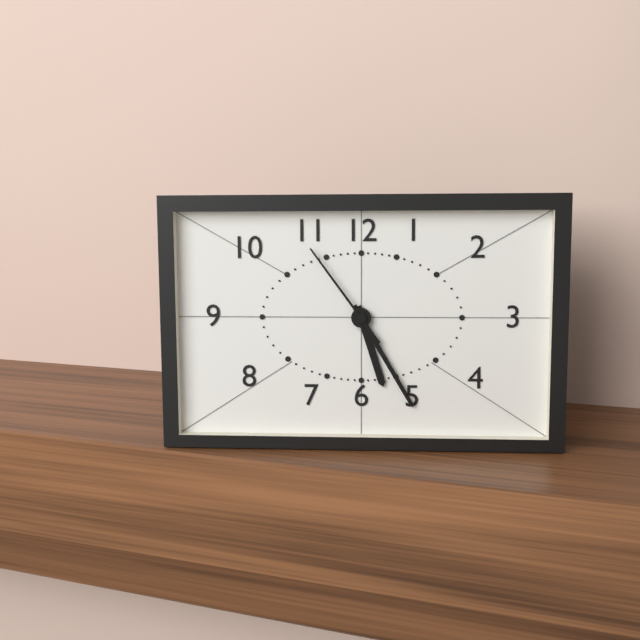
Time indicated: 5:25:54
